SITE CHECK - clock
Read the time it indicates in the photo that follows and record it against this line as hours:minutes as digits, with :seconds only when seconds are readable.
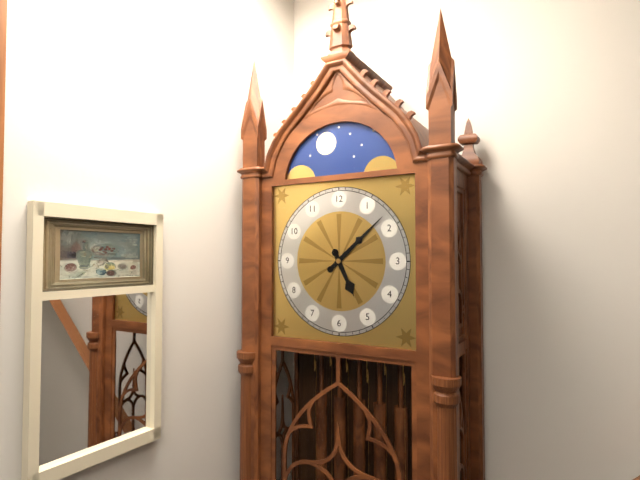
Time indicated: 5:08
